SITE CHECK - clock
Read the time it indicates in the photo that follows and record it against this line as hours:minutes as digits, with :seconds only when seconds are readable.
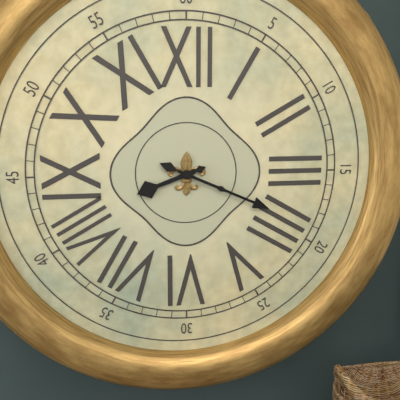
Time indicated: 8:19
